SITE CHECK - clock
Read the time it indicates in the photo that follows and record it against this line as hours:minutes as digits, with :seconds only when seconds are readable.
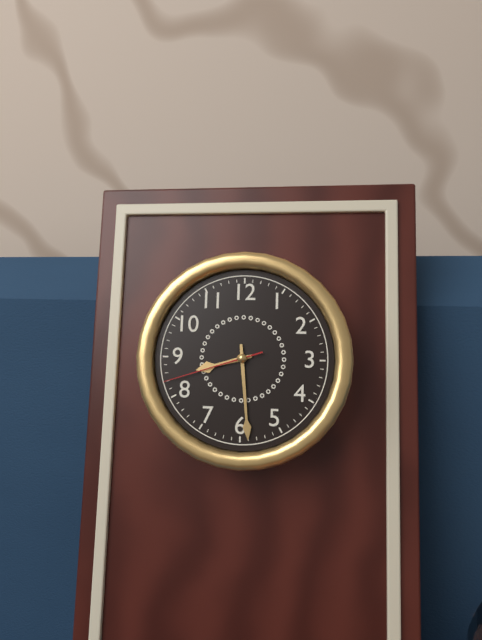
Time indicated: 8:29:42
